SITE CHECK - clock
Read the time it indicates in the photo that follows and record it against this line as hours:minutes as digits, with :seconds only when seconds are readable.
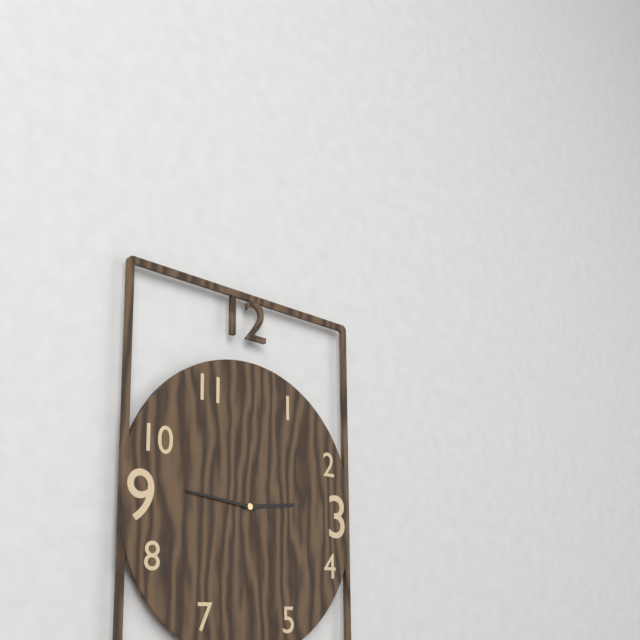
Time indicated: 2:46
